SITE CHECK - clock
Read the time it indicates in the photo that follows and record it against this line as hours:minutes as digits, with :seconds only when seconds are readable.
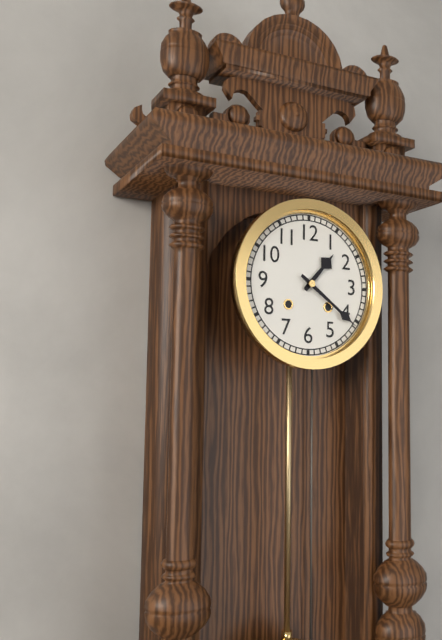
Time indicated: 1:21
